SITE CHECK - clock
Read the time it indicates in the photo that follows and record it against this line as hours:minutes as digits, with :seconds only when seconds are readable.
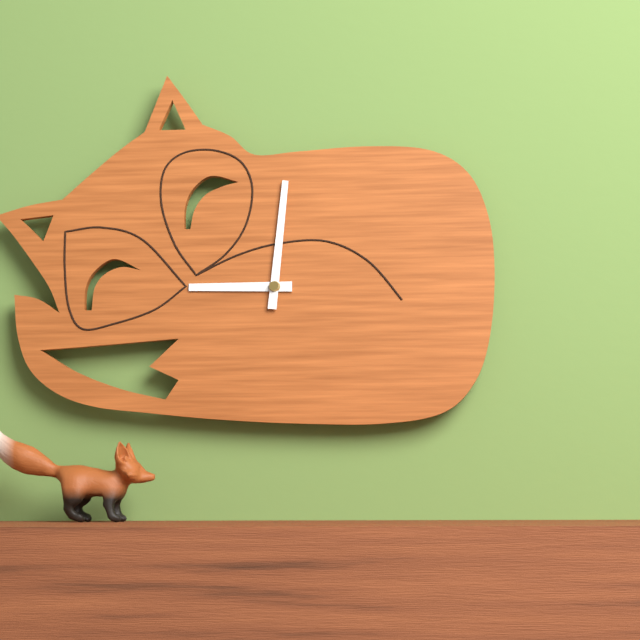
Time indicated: 9:01
